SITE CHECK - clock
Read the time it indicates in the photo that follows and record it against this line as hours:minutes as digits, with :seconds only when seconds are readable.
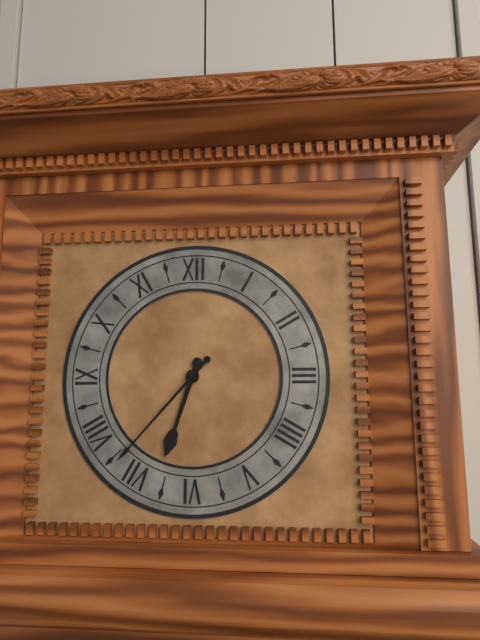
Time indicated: 6:37
